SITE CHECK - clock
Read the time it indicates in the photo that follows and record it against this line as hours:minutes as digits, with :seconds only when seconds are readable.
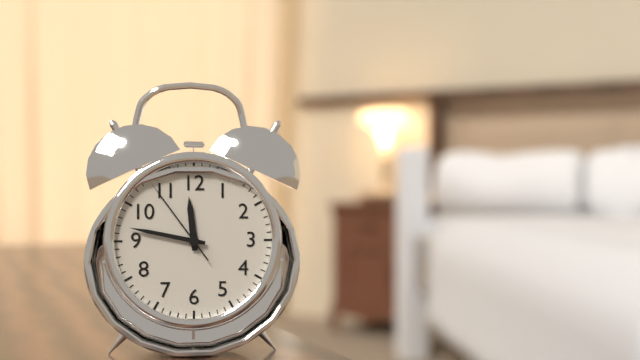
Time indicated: 11:47:54
